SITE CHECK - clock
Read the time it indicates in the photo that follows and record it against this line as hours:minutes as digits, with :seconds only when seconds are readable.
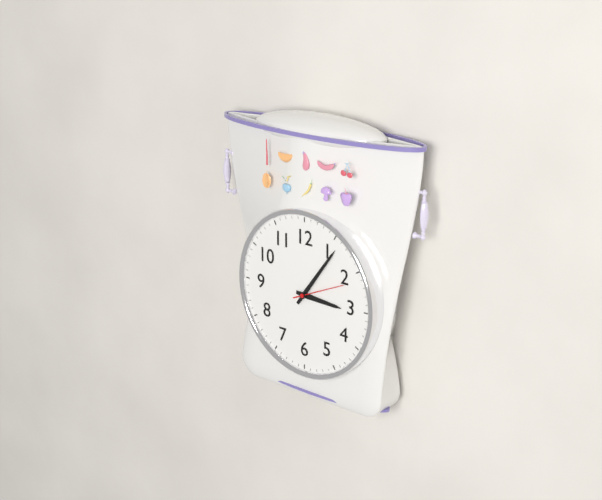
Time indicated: 3:06
